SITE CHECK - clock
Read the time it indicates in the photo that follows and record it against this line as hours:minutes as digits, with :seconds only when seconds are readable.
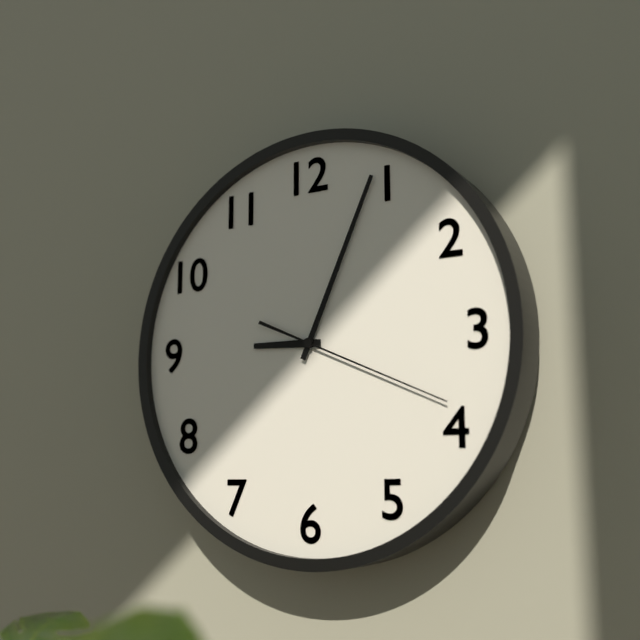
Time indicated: 9:04:19
